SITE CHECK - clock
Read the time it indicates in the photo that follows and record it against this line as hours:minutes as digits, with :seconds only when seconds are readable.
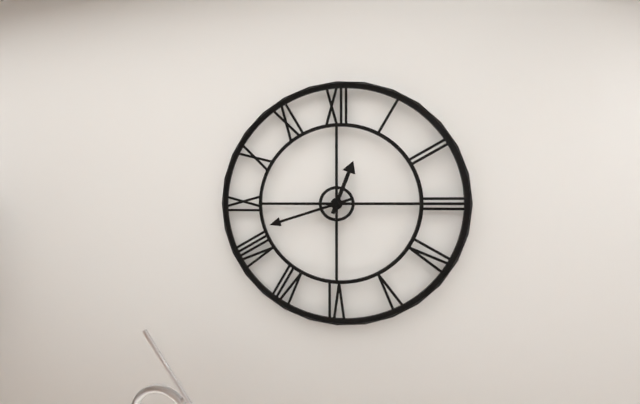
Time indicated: 12:42
